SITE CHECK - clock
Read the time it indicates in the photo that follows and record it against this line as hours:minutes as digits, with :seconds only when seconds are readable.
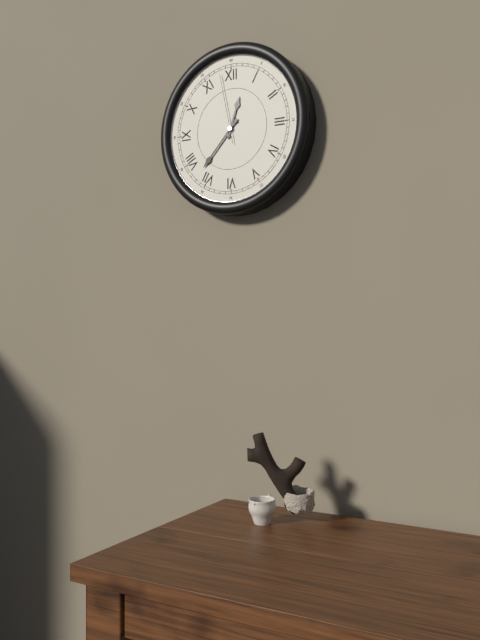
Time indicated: 12:37:58
